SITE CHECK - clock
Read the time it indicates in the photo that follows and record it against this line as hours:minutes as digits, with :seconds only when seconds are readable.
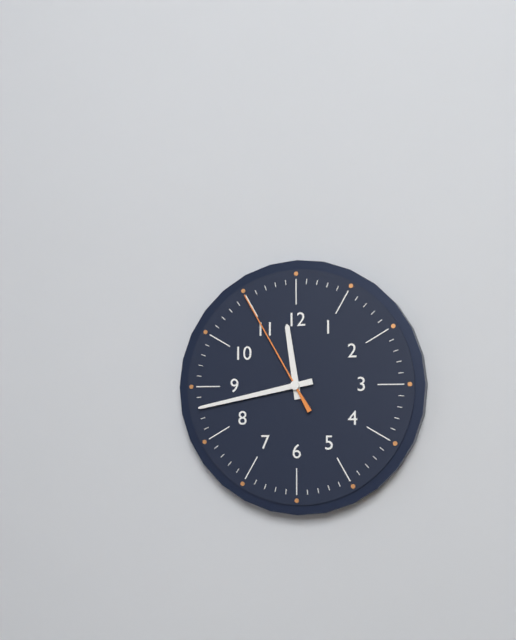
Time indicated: 11:43:55
